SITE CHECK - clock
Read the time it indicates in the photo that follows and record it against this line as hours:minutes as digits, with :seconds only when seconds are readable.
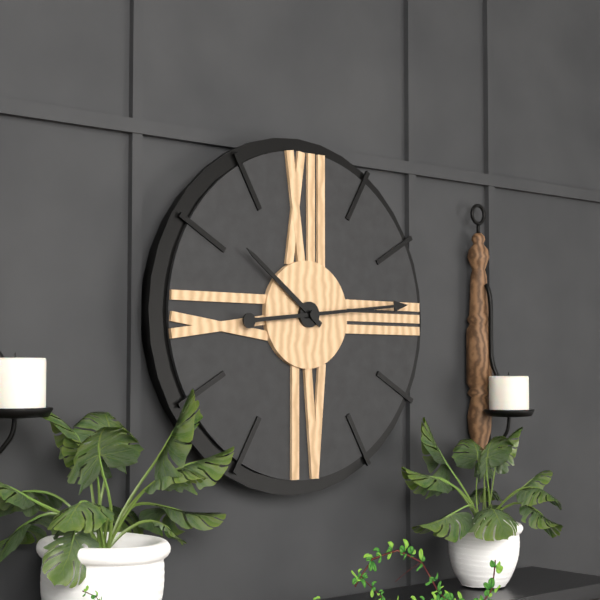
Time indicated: 10:14
